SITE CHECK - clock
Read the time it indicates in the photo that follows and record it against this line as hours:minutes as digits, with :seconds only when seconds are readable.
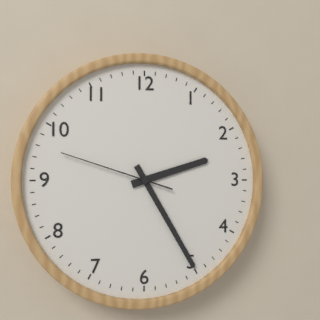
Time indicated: 2:25:48
